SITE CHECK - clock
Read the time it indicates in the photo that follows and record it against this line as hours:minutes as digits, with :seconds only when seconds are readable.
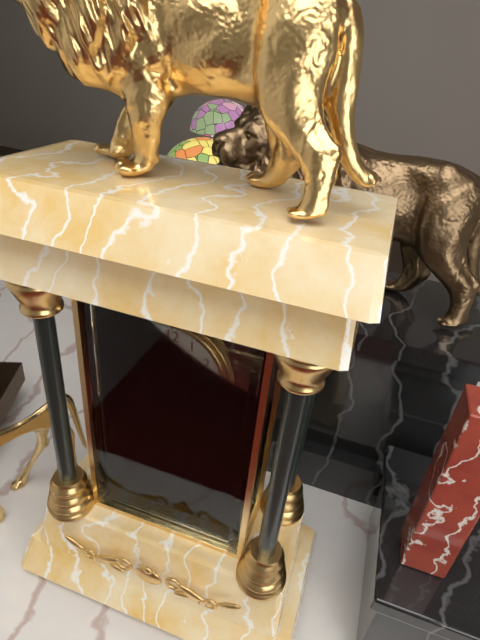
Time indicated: 9:43
